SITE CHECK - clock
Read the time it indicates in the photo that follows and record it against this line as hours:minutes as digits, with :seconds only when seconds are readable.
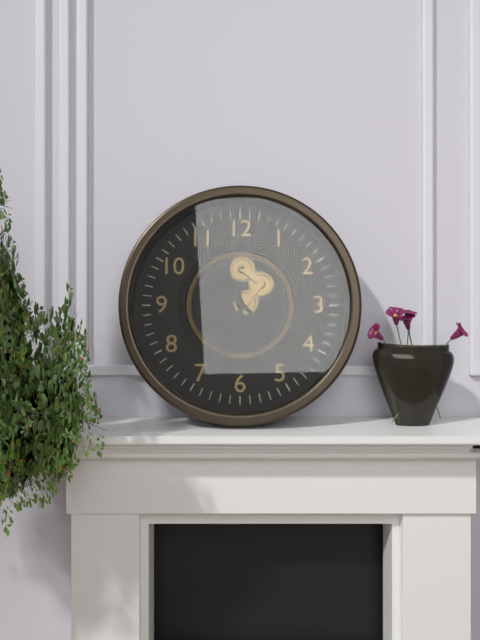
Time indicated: 5:52
